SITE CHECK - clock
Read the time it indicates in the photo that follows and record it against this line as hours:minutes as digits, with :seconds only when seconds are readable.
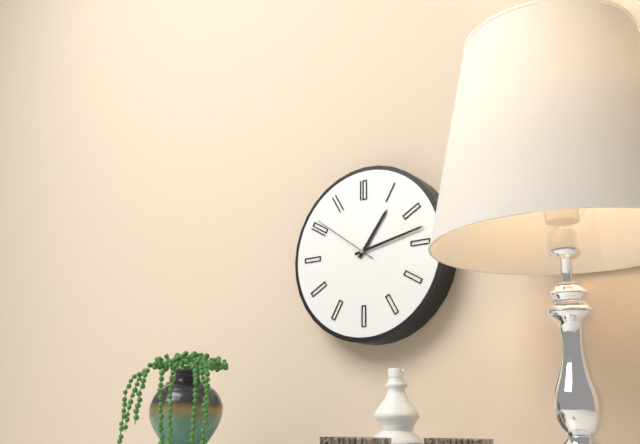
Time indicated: 1:13:51
